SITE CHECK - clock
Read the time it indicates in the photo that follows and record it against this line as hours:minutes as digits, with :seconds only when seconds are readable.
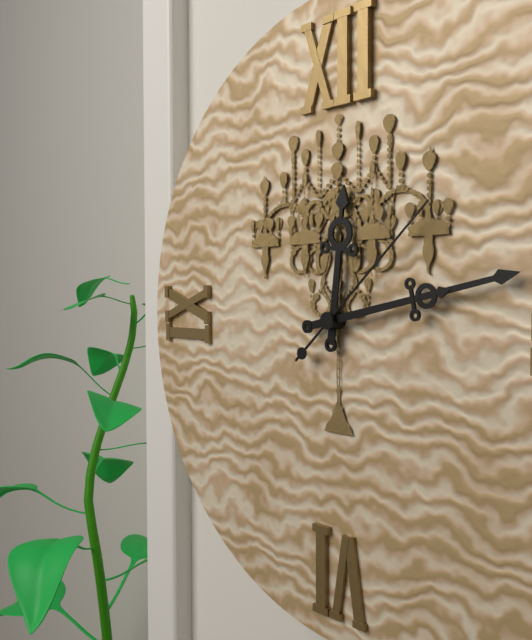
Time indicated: 12:13:08
